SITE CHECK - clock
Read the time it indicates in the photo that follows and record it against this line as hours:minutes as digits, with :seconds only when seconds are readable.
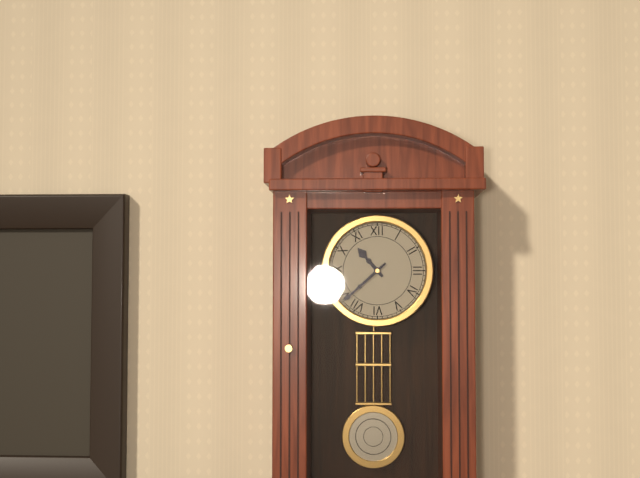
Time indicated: 10:38
